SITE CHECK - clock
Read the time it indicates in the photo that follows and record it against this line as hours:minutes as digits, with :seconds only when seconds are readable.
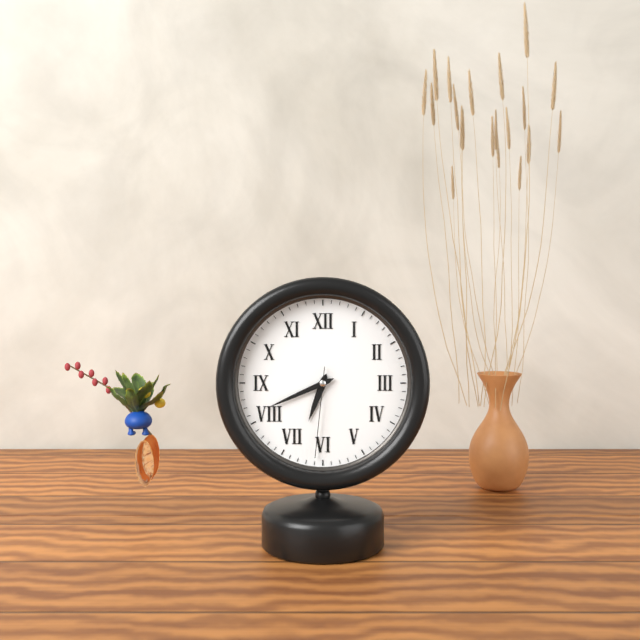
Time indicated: 6:41:31
